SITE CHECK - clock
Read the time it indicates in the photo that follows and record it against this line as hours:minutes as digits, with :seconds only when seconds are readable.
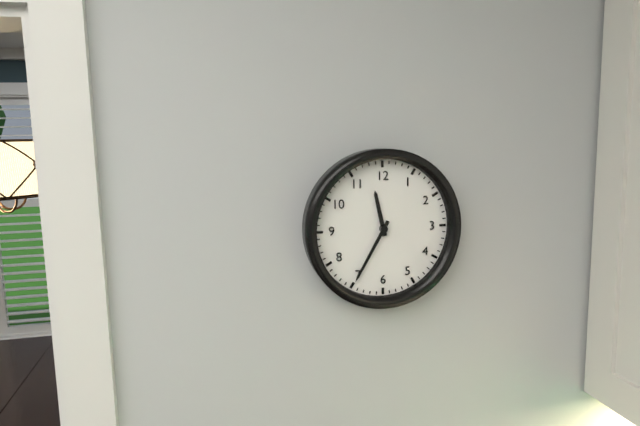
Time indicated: 11:35
